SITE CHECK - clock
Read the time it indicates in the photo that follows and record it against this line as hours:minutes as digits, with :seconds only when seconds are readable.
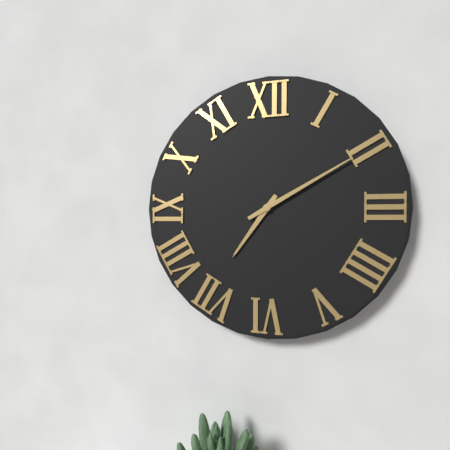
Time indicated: 7:10
